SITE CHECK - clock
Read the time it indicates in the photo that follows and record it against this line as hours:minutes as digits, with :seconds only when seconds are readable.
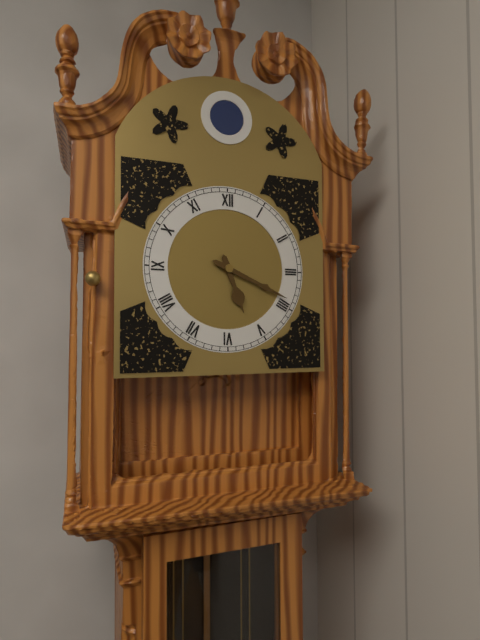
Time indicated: 5:19
